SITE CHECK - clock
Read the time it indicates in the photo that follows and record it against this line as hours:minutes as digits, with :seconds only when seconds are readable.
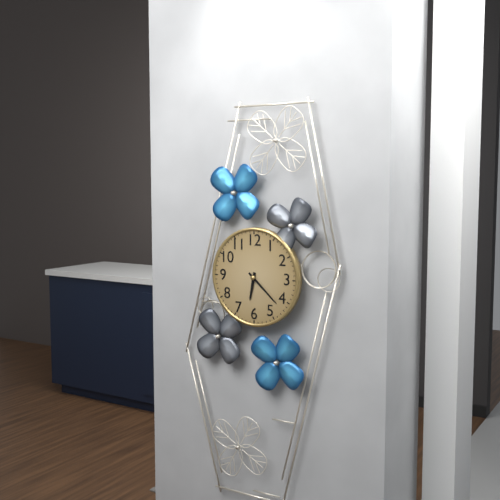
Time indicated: 6:22
